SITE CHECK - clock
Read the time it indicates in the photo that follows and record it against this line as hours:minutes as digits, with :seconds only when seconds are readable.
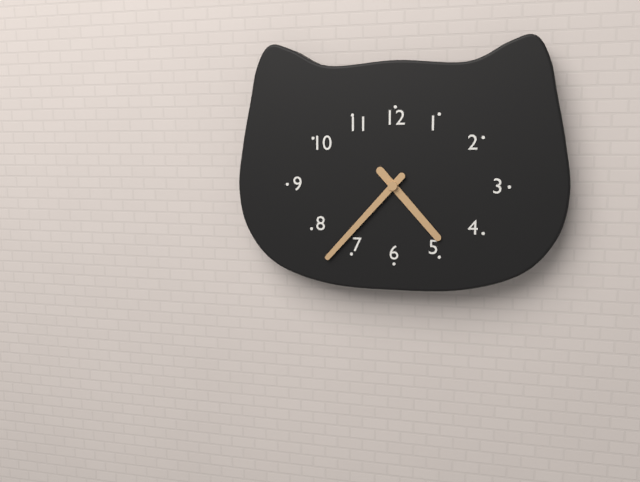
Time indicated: 4:37
